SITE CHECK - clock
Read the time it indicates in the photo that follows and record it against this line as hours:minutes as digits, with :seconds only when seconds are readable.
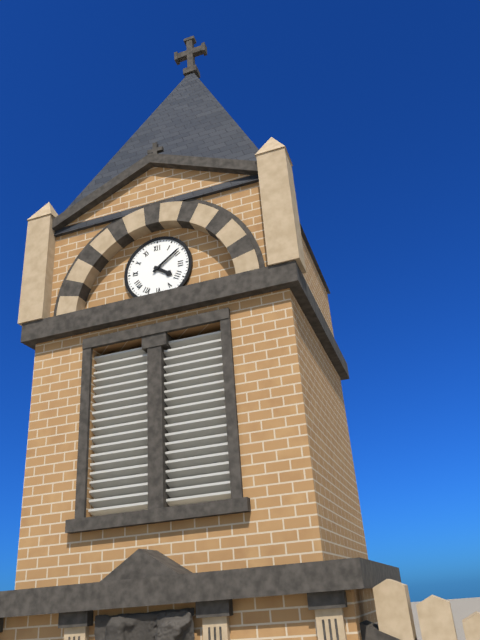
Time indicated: 4:09
